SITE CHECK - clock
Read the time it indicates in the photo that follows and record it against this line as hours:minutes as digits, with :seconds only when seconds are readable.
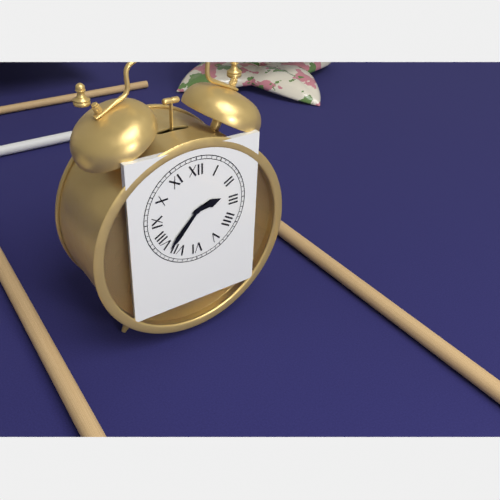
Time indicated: 2:37
